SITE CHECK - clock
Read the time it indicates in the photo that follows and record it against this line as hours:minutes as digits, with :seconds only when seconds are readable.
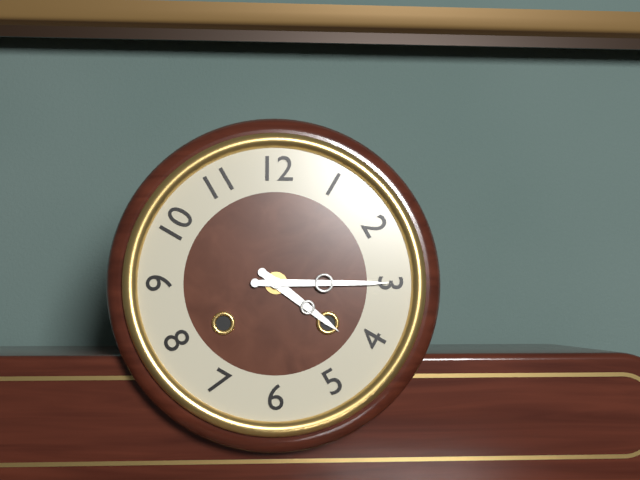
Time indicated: 4:15
